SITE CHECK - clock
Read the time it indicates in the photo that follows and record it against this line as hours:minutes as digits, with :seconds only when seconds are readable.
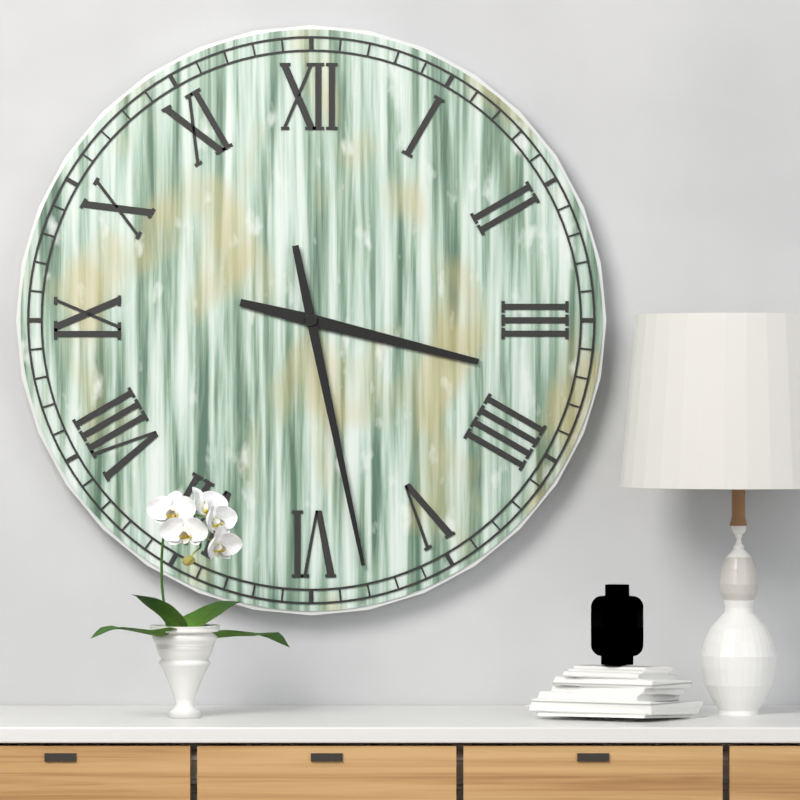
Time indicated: 3:28
